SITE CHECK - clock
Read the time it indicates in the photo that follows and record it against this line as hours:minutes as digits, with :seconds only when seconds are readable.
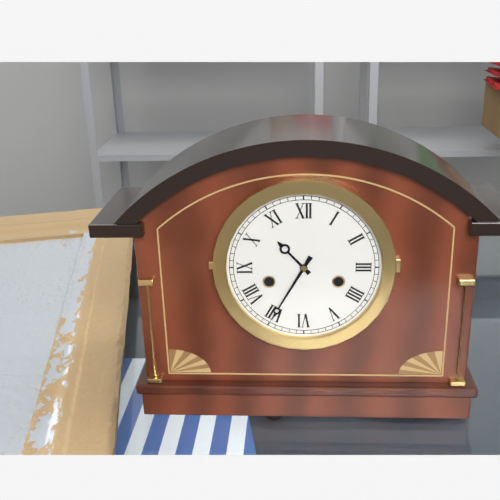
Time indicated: 10:35
